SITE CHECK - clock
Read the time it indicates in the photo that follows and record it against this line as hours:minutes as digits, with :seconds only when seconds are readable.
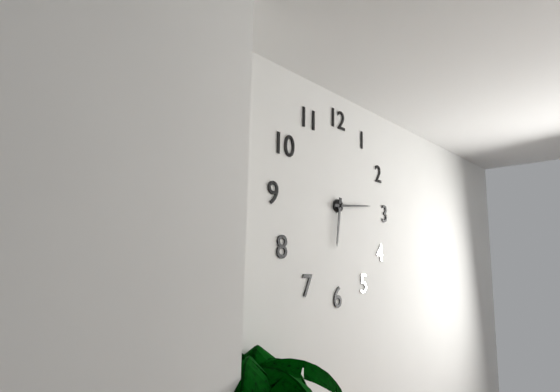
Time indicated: 6:14
